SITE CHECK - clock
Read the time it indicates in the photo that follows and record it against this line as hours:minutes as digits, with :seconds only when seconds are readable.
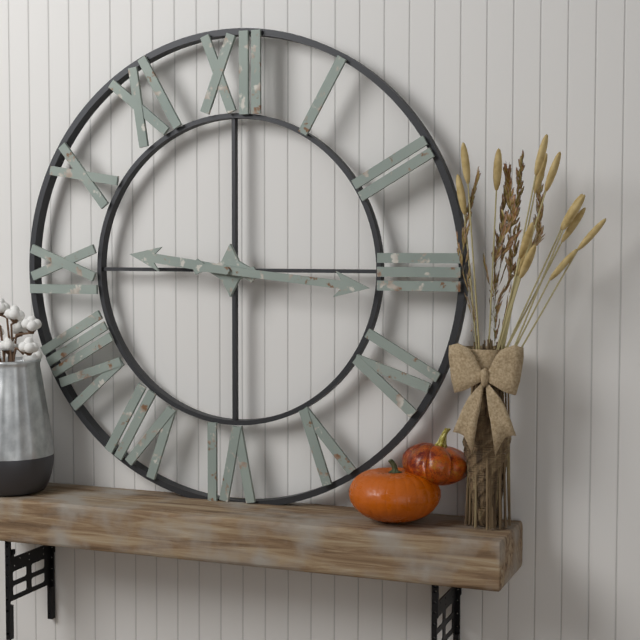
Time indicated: 9:16
